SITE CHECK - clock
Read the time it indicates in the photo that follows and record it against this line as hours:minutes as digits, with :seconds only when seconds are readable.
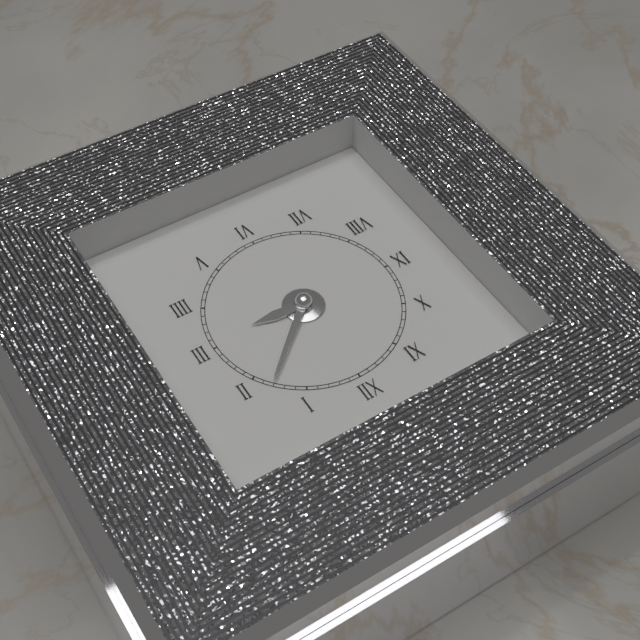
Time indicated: 3:08
